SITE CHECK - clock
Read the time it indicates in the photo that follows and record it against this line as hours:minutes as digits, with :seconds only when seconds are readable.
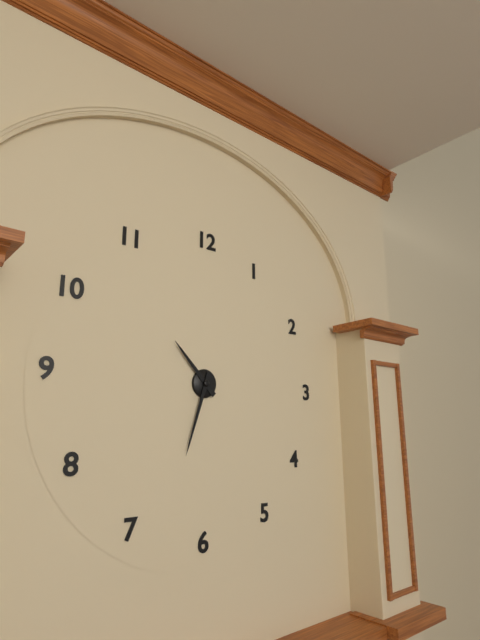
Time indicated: 10:33
